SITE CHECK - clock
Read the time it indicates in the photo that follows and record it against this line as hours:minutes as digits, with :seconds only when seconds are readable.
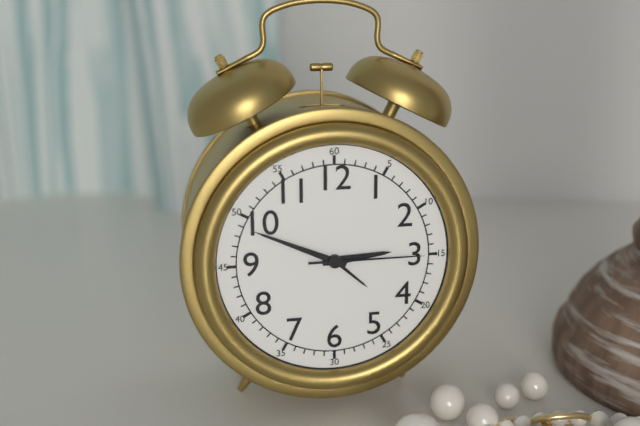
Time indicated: 2:49:15
